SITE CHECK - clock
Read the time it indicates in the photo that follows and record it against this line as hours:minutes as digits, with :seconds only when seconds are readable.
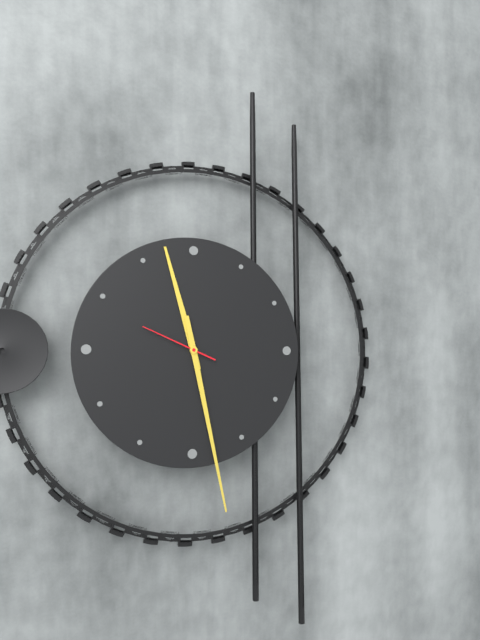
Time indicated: 11:28:49
